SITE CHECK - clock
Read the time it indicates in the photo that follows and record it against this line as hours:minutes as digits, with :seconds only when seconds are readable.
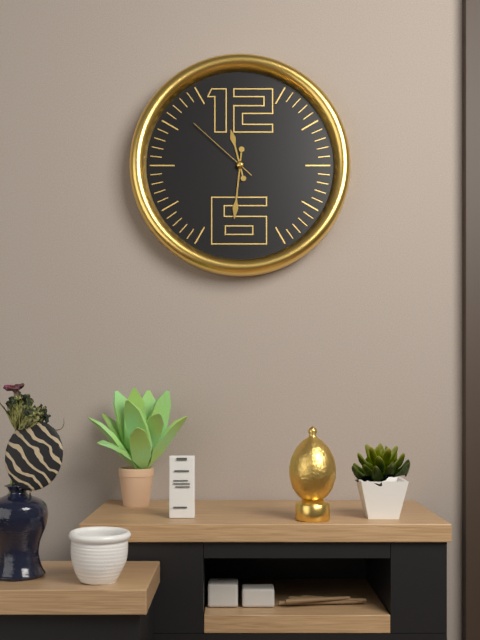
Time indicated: 11:31:52
